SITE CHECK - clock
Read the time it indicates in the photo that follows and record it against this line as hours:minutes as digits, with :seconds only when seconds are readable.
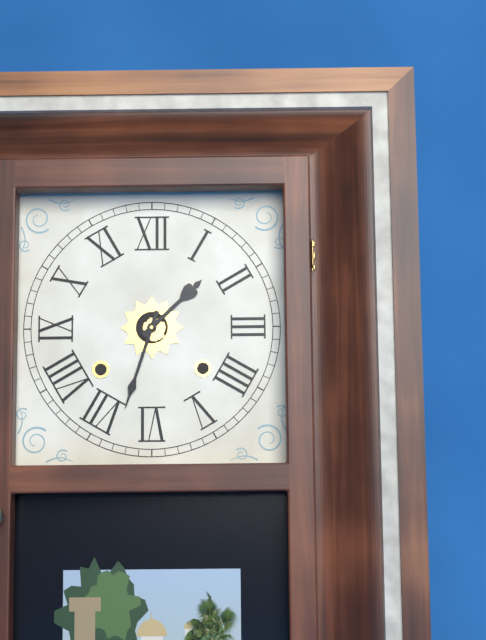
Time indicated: 1:33
